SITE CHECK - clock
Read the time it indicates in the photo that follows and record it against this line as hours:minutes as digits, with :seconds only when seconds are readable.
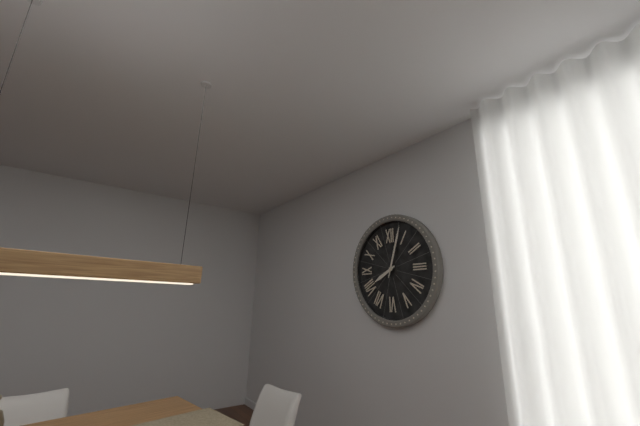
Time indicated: 8:03
